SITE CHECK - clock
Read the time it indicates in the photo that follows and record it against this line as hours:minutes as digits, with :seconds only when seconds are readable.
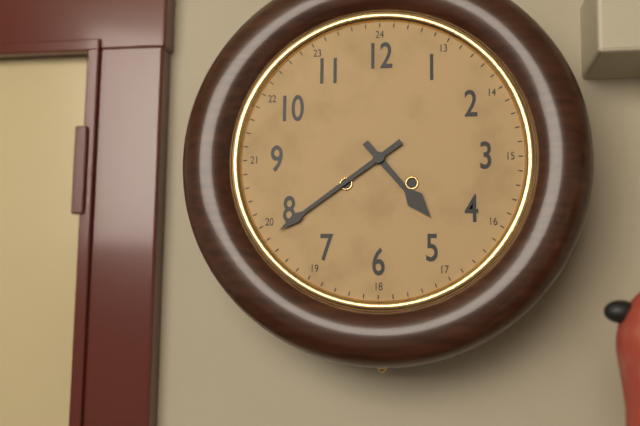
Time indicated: 4:39
